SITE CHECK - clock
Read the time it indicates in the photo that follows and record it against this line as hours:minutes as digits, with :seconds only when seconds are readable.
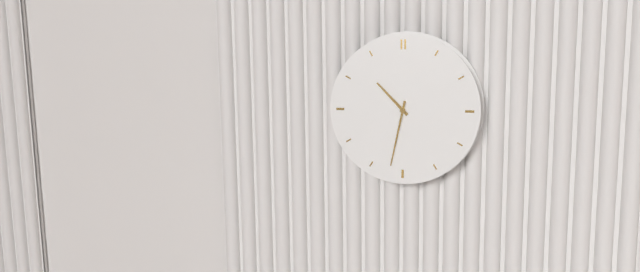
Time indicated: 10:32
